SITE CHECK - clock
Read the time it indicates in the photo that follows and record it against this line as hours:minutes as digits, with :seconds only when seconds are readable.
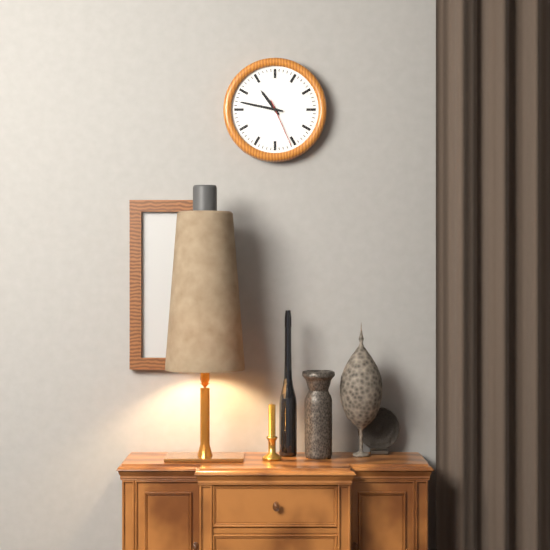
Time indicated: 10:47
